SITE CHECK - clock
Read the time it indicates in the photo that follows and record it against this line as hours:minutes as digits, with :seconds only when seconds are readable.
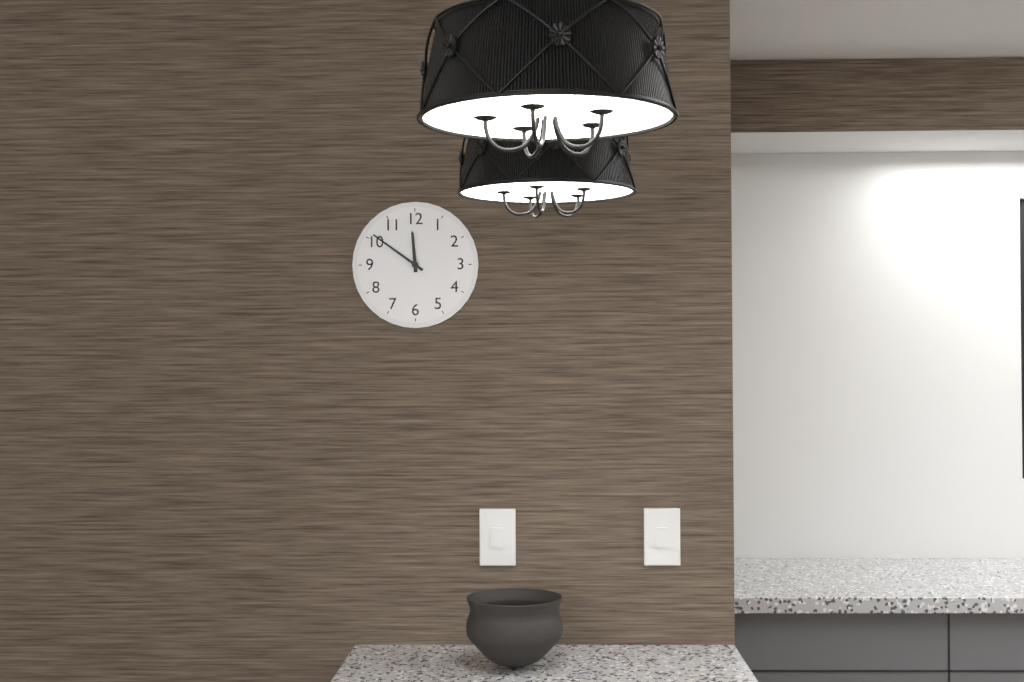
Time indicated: 11:51
